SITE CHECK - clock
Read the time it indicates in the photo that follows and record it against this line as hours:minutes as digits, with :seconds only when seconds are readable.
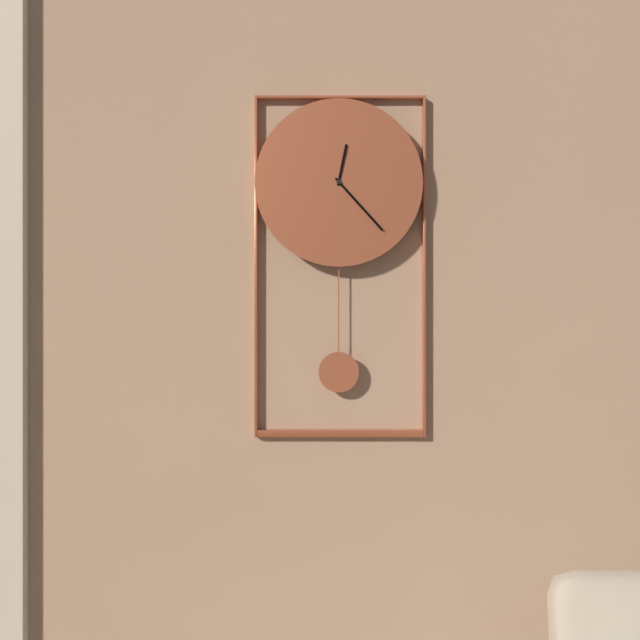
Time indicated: 12:23
